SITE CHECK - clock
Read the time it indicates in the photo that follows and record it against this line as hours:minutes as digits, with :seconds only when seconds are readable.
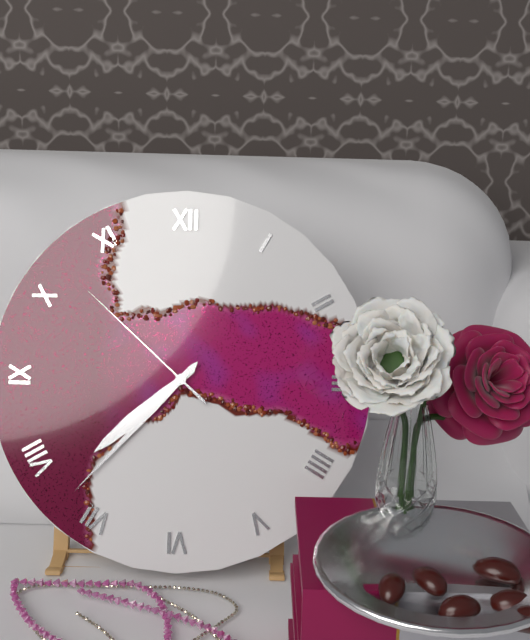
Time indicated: 7:37:52
